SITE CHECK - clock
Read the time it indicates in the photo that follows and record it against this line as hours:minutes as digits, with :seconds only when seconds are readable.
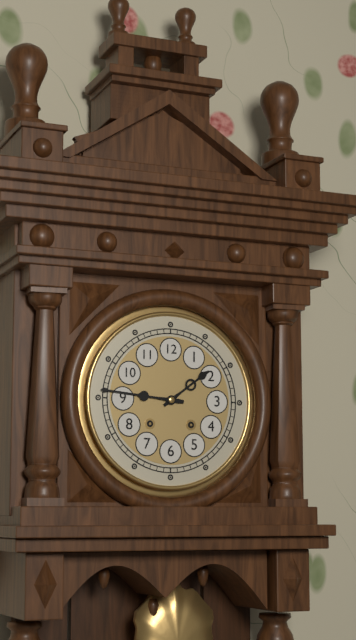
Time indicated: 1:46
